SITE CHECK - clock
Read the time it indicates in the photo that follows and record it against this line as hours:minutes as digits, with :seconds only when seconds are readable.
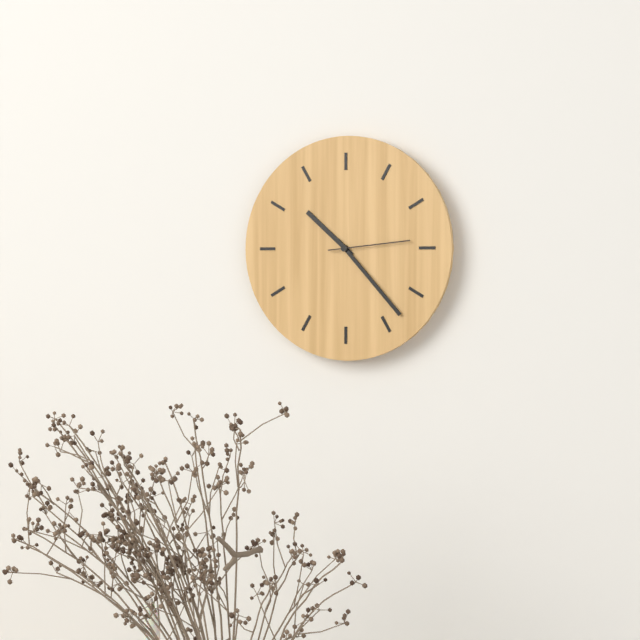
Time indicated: 10:23:14
